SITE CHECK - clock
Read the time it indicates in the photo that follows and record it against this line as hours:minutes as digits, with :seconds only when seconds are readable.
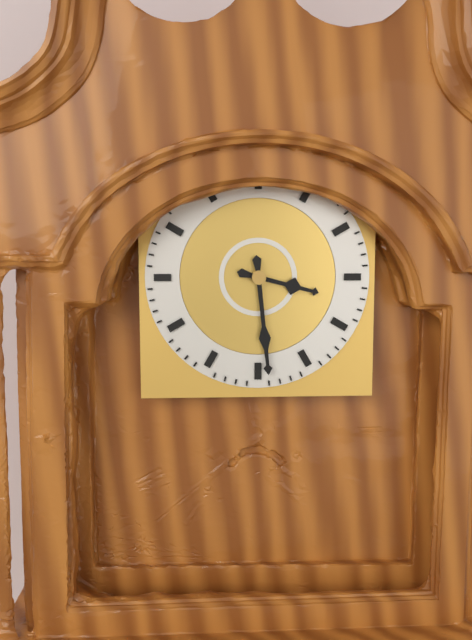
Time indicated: 3:29
